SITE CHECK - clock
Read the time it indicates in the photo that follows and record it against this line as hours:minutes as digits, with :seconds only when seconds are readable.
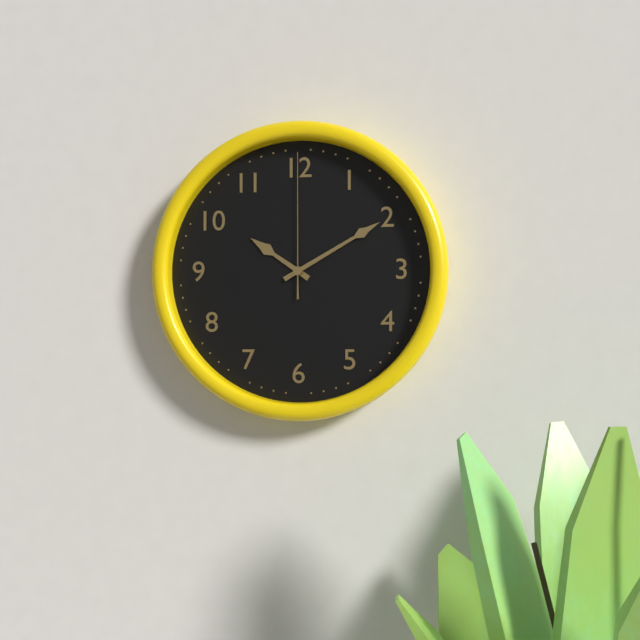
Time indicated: 10:10:00
